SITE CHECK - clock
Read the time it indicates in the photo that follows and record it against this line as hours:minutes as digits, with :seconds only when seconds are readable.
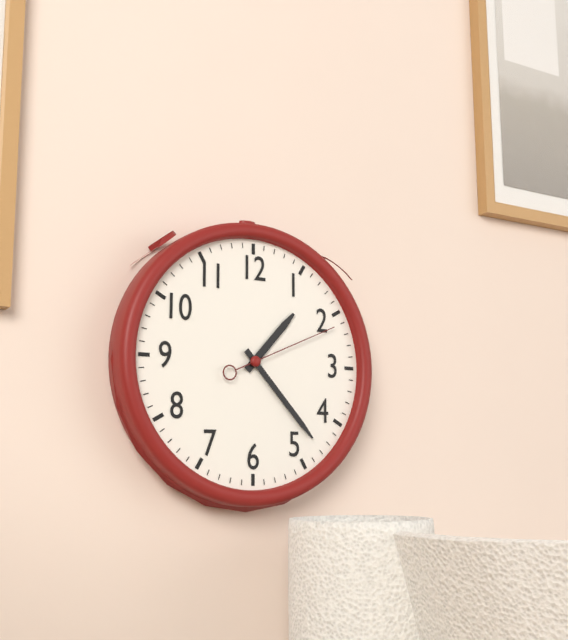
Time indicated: 1:23:11
